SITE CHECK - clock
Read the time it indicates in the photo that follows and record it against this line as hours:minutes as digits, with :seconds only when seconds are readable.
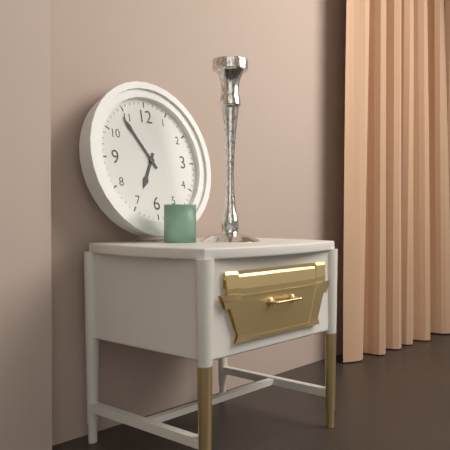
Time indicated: 6:54
